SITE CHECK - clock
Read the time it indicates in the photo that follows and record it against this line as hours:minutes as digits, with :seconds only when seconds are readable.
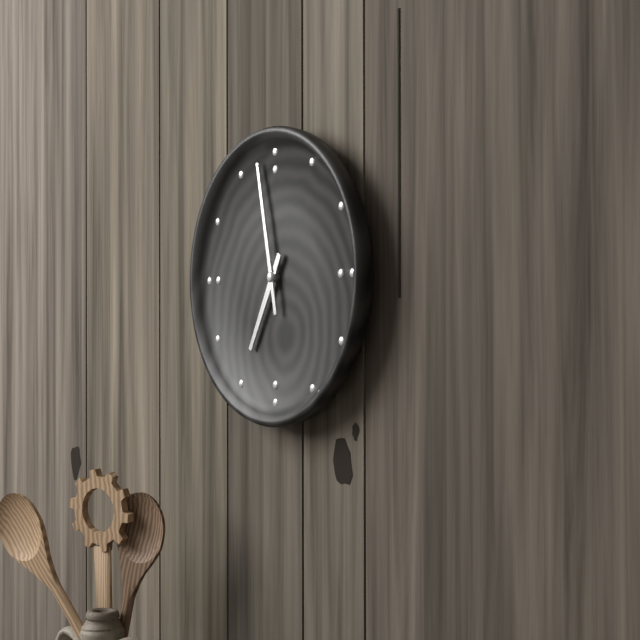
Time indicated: 6:58
